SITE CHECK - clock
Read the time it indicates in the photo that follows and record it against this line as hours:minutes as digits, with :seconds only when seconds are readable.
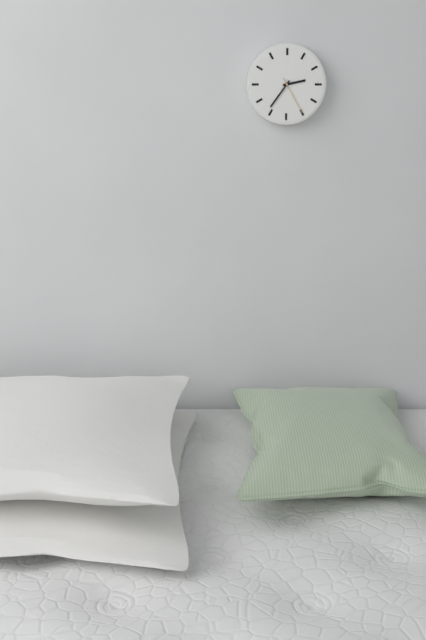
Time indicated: 2:36
